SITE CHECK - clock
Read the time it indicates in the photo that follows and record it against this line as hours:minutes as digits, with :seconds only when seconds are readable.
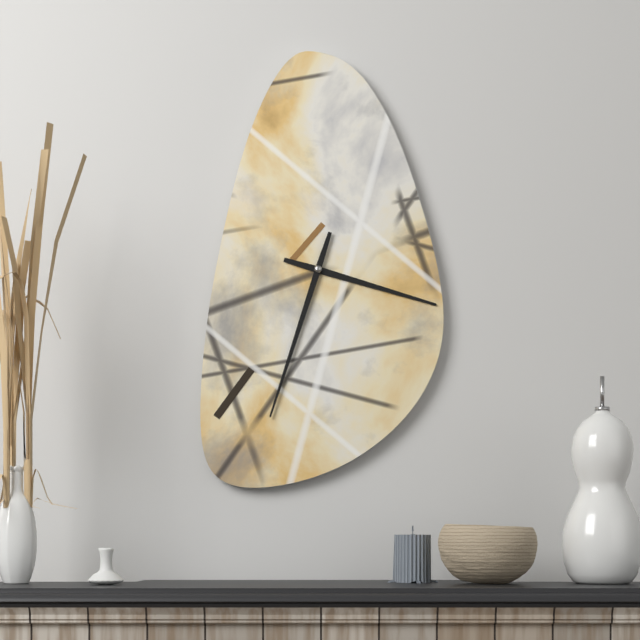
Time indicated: 3:33
